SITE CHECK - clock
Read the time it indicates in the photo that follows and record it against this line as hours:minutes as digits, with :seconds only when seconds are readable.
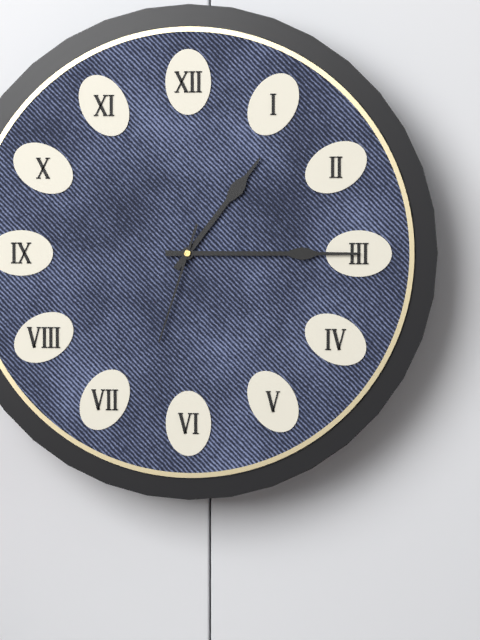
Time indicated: 1:15:33
